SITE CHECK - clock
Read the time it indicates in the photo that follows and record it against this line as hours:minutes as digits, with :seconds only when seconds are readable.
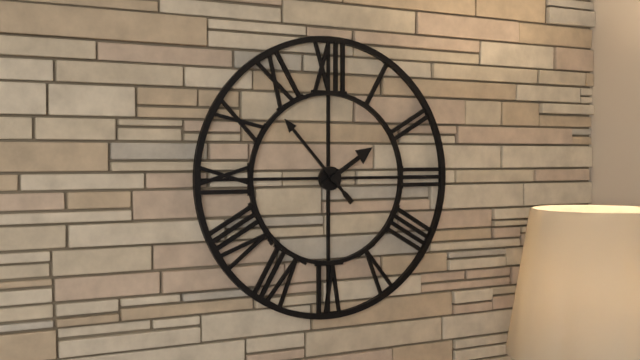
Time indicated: 1:53
